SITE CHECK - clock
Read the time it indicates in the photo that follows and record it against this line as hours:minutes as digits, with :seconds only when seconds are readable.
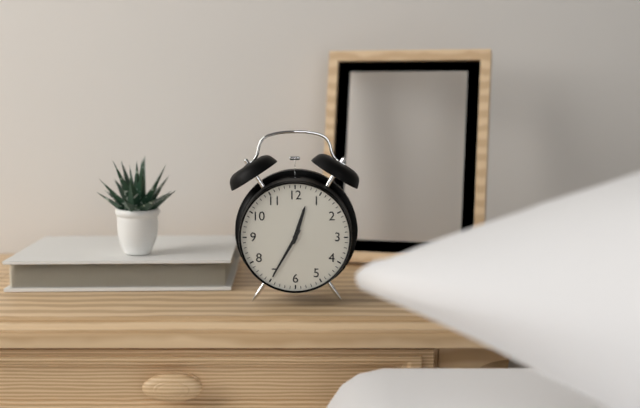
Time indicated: 12:35
